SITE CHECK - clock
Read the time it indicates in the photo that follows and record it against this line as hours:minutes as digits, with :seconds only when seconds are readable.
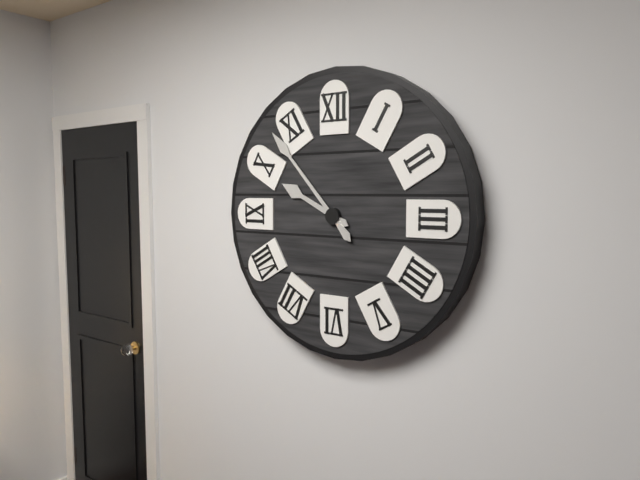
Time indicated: 9:53
